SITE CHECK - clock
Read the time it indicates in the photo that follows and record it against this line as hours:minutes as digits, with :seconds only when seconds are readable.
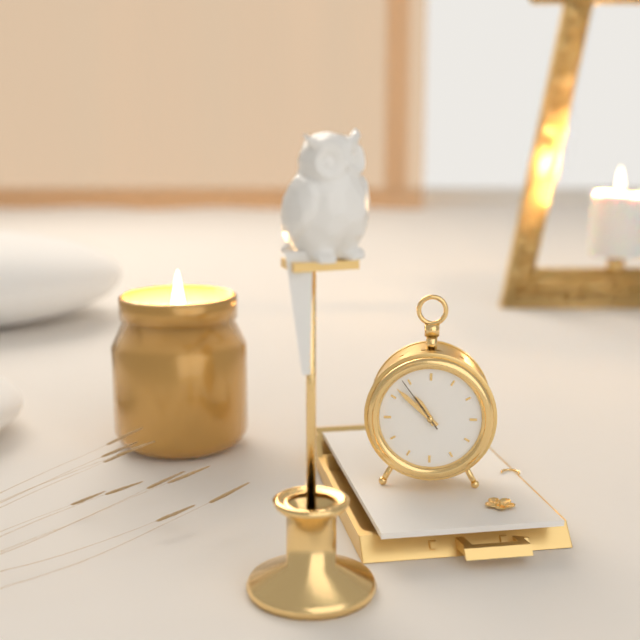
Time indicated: 10:52
